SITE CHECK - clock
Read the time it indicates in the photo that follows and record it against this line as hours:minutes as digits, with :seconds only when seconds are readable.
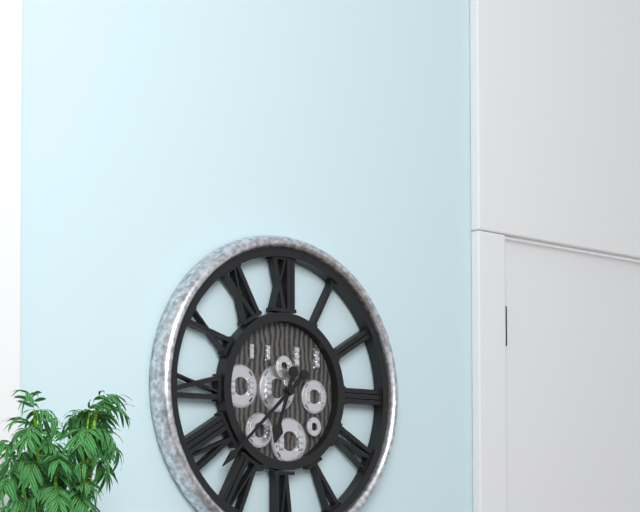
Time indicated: 6:38
